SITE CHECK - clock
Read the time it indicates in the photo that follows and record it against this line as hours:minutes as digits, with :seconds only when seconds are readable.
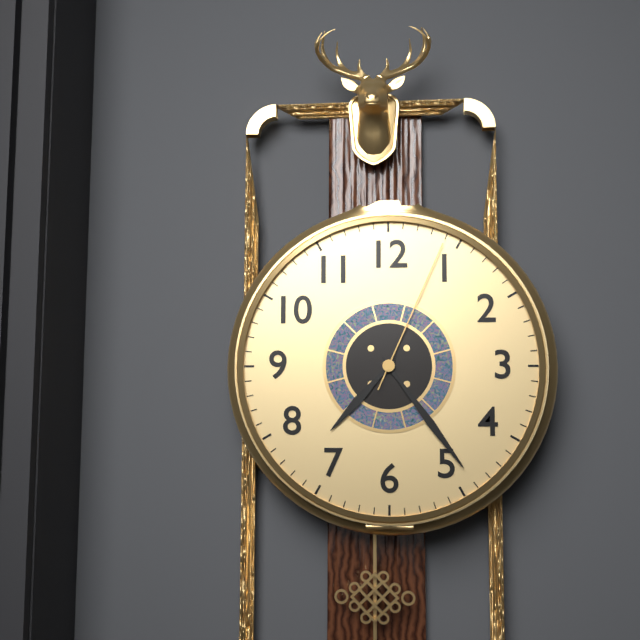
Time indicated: 7:24:04
